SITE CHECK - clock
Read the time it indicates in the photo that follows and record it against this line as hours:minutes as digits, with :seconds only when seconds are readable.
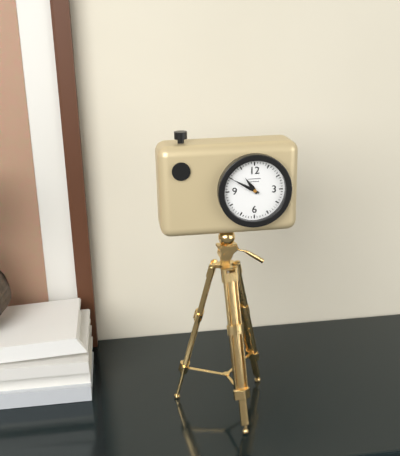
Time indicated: 10:50
